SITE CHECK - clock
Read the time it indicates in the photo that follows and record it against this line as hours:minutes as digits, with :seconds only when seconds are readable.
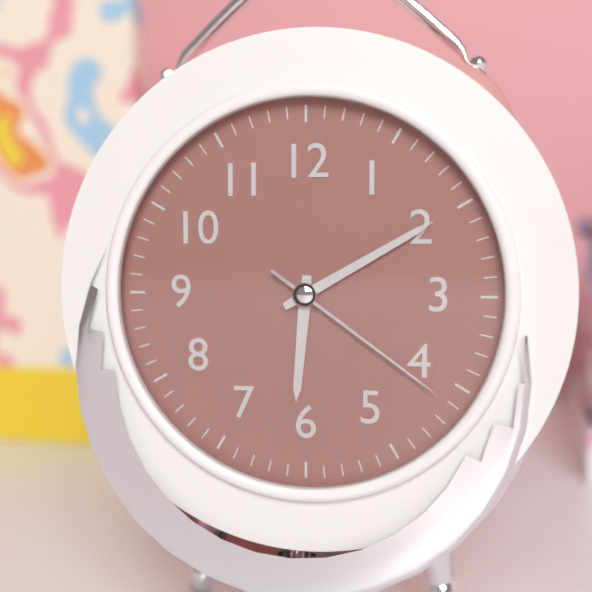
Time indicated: 6:10:21
